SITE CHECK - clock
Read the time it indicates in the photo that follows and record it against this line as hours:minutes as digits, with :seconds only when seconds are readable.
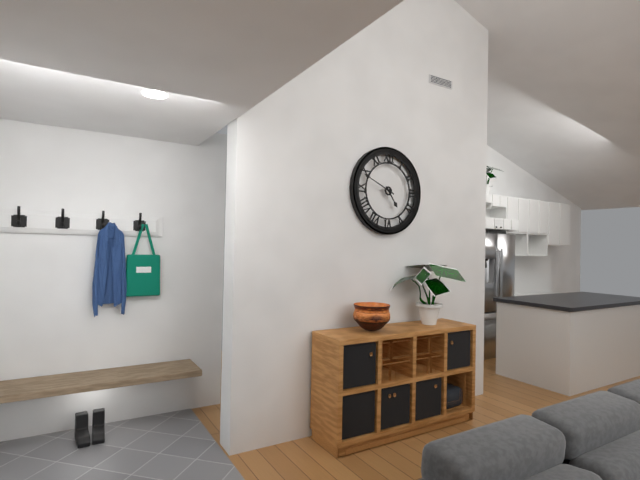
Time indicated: 4:49
